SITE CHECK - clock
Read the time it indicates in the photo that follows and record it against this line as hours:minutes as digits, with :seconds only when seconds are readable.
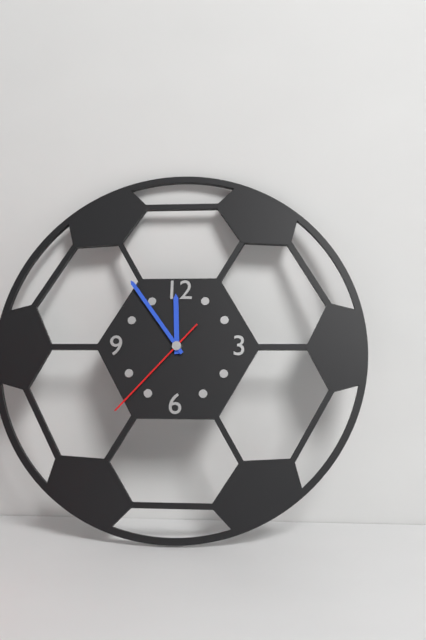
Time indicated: 11:54:37
